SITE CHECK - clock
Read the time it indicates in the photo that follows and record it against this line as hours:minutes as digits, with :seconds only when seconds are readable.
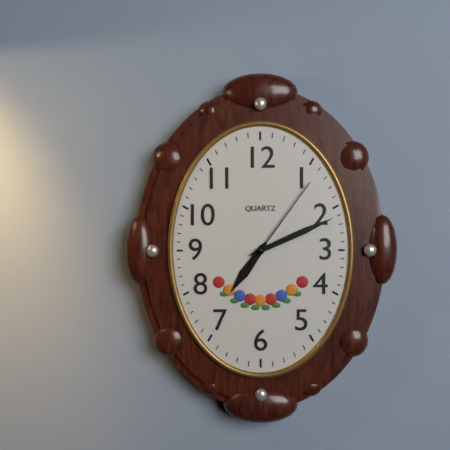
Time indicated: 7:11:06
